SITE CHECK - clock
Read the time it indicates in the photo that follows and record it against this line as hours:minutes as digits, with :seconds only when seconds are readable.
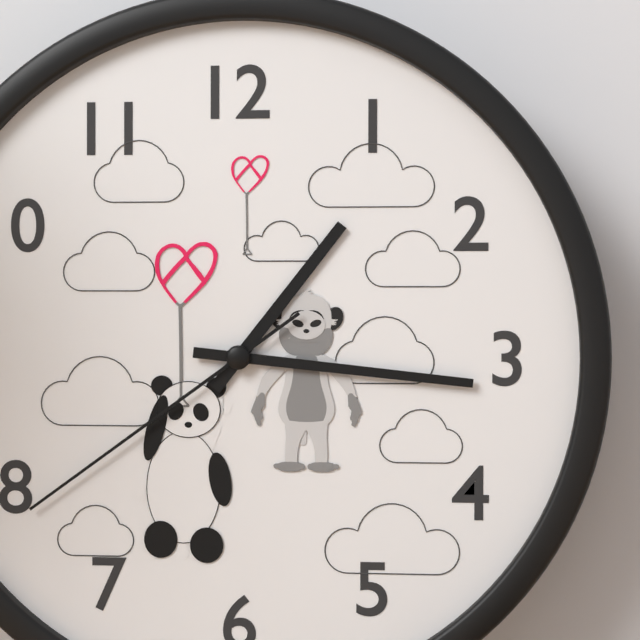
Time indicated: 1:16:39
